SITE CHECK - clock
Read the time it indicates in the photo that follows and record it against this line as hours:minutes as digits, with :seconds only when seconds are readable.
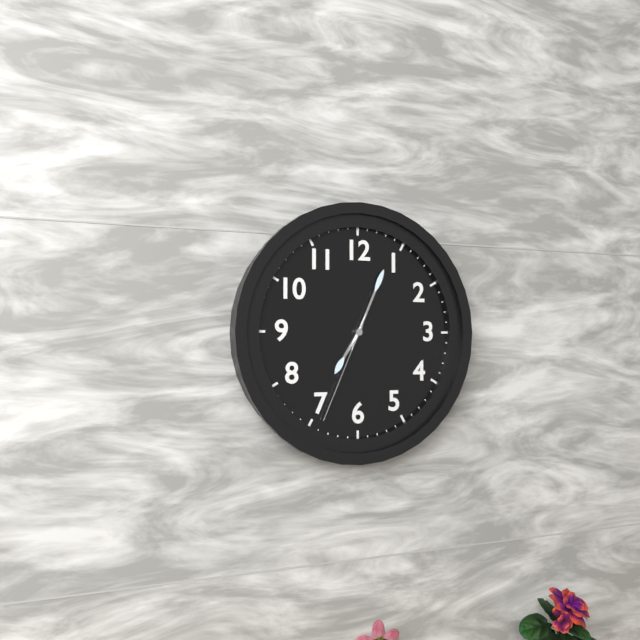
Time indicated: 7:04:34
